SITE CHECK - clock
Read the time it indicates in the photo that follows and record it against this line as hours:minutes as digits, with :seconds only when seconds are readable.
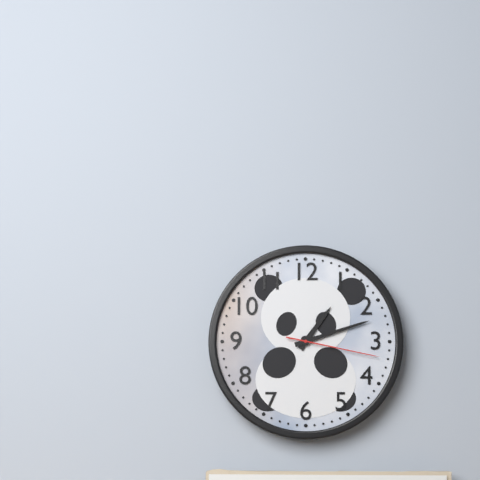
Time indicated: 1:12:17
